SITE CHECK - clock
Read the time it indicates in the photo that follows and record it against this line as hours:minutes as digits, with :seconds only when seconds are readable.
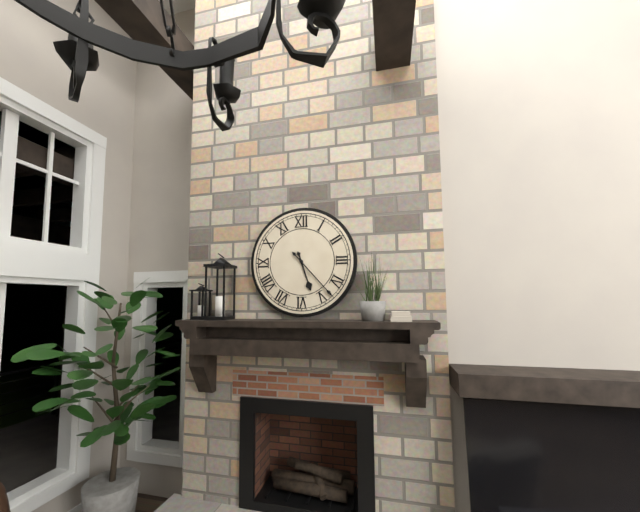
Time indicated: 5:23
